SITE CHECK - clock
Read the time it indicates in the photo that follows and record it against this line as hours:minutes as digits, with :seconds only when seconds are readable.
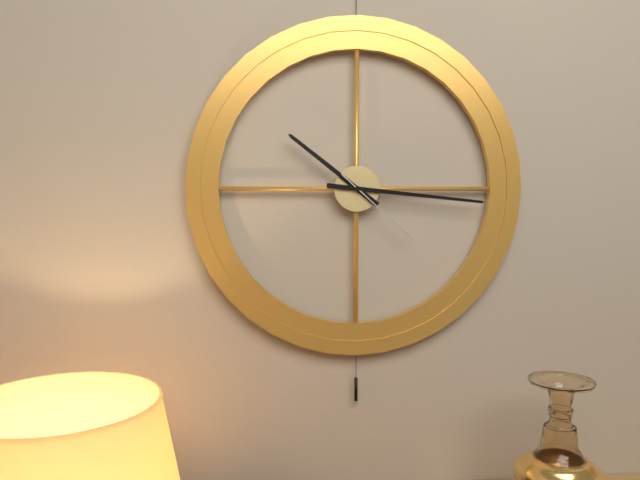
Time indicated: 10:16:22
